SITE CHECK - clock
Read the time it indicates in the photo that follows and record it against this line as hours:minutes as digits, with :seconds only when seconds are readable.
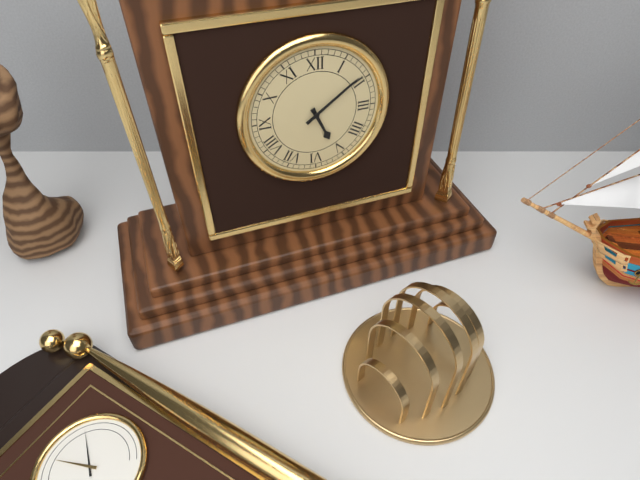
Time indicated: 5:09
